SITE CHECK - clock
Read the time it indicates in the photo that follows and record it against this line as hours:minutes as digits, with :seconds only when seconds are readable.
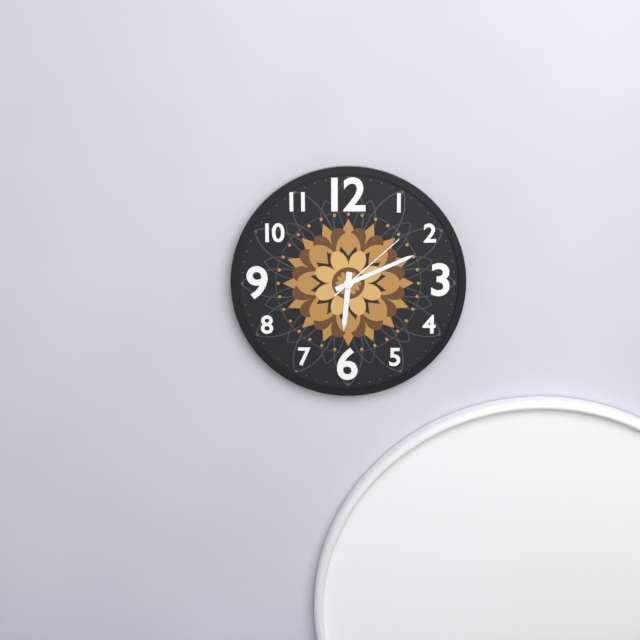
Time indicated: 6:11:08
